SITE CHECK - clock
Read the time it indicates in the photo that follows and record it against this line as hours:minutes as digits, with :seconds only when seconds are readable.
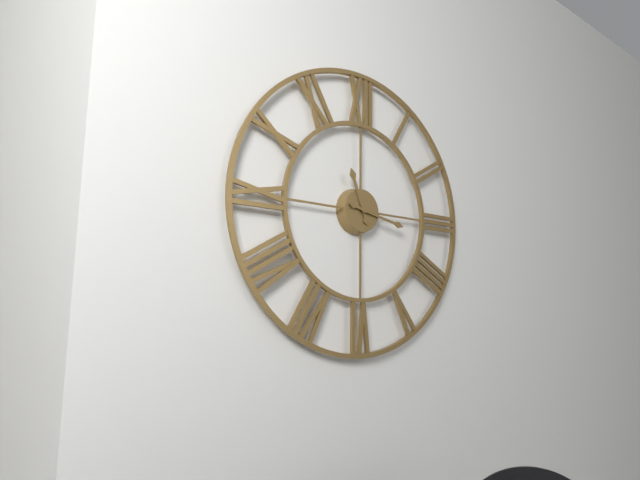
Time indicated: 11:17
